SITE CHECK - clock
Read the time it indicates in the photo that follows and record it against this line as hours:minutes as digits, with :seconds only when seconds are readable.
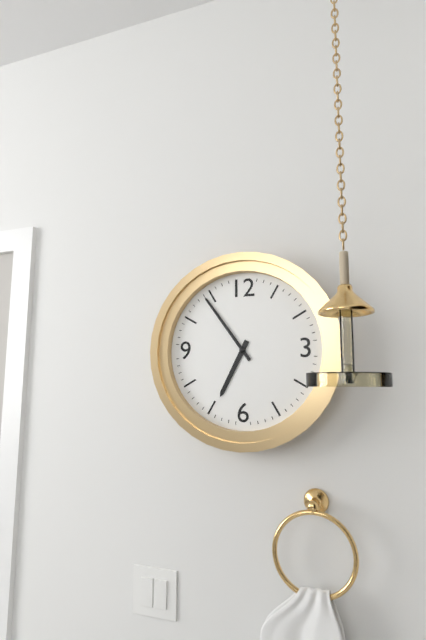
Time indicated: 6:54
